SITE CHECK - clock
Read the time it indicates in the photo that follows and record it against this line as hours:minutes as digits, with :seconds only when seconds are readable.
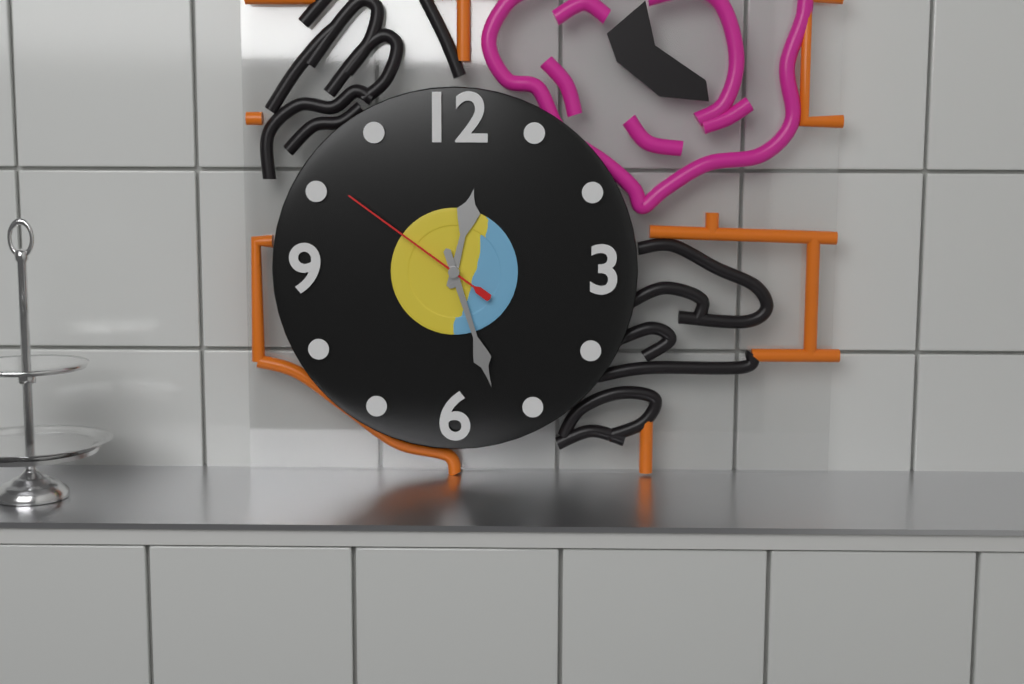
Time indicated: 12:27:51
